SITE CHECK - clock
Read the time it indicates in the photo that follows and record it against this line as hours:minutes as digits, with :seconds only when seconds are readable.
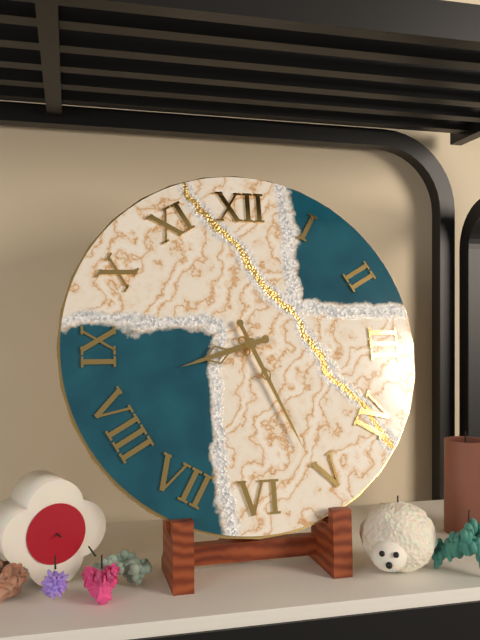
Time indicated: 8:26
